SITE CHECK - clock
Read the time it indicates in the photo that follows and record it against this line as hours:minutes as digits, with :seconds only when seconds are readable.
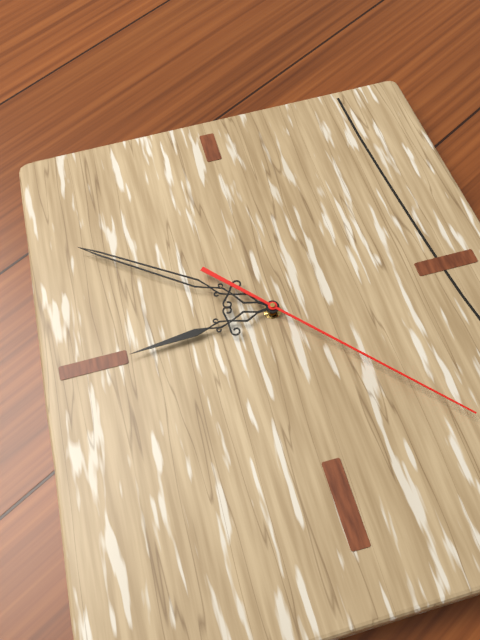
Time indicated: 8:51:23
